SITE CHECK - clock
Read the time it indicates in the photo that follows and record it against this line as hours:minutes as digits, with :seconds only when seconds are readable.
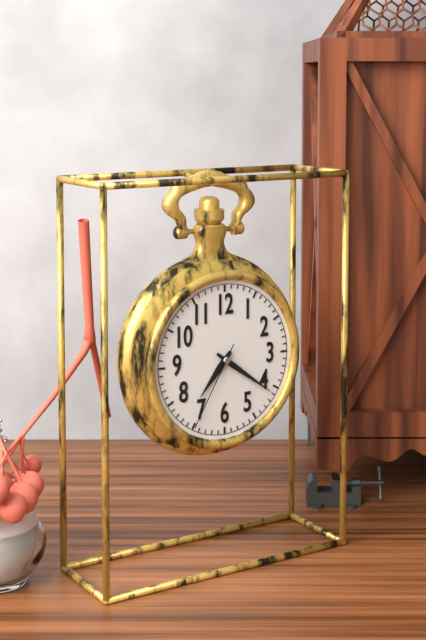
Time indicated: 7:21:35
